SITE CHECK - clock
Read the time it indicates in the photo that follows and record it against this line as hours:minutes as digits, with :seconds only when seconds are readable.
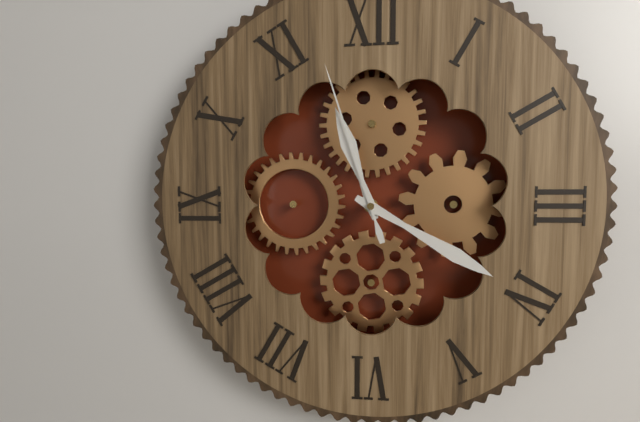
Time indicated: 11:20:57
